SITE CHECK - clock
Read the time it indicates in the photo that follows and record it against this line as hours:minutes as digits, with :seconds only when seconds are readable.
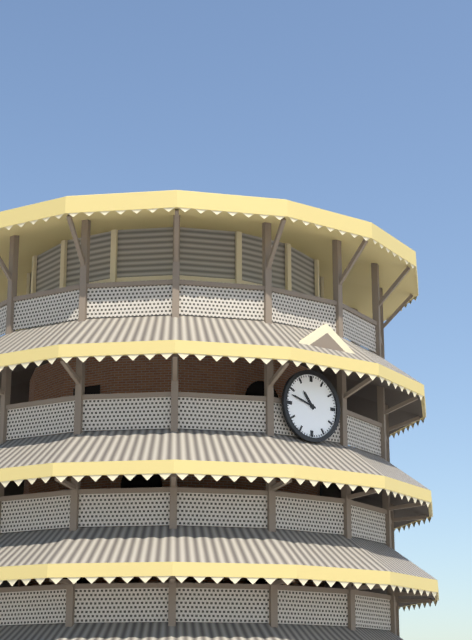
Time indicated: 10:48
